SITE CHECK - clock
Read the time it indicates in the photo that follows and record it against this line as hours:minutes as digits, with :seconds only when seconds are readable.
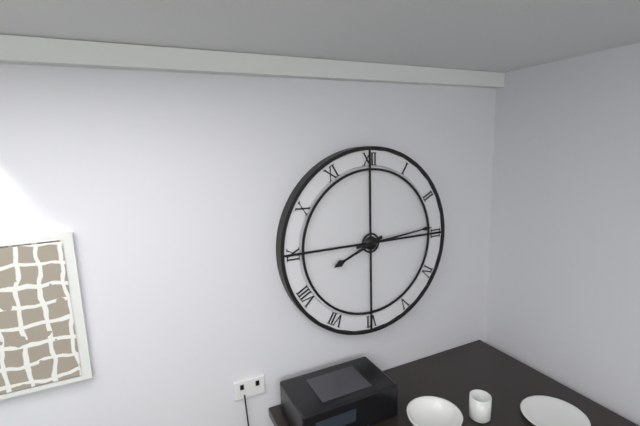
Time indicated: 8:14
